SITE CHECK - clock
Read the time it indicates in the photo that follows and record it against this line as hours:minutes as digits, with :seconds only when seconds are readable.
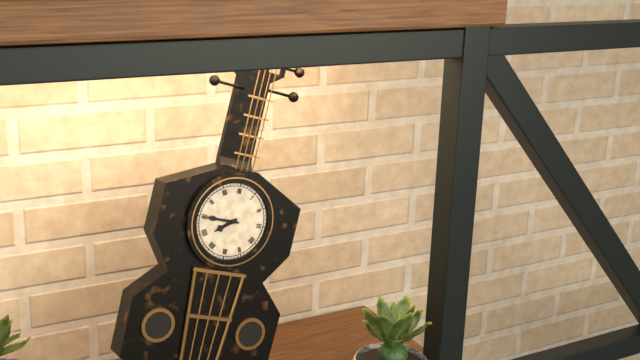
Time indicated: 7:45
